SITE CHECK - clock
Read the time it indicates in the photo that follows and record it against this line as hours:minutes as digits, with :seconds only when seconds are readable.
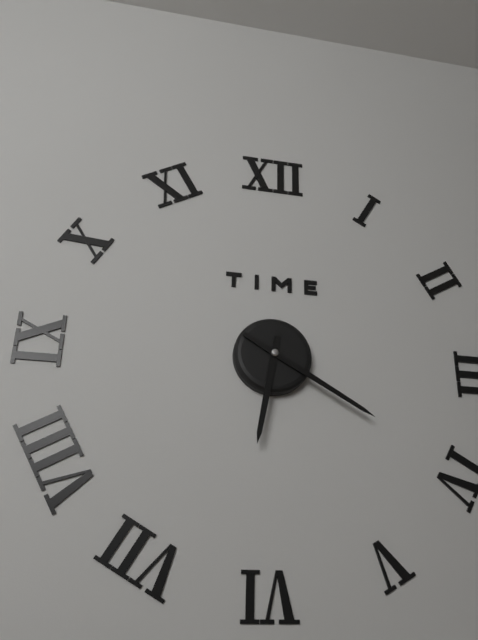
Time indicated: 6:20
